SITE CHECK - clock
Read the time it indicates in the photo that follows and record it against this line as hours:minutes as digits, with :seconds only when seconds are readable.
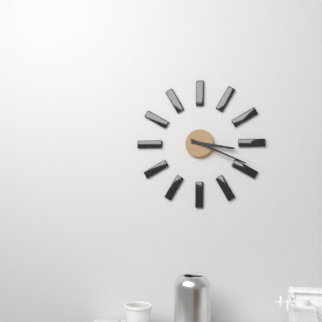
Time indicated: 3:19
